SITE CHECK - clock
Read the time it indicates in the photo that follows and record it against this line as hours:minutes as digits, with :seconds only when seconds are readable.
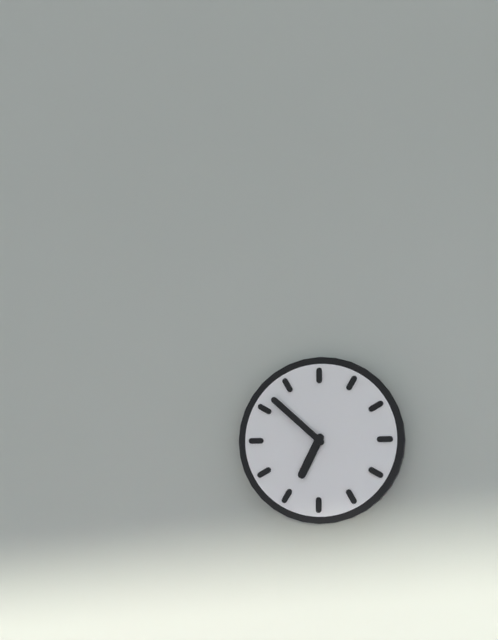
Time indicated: 6:52
